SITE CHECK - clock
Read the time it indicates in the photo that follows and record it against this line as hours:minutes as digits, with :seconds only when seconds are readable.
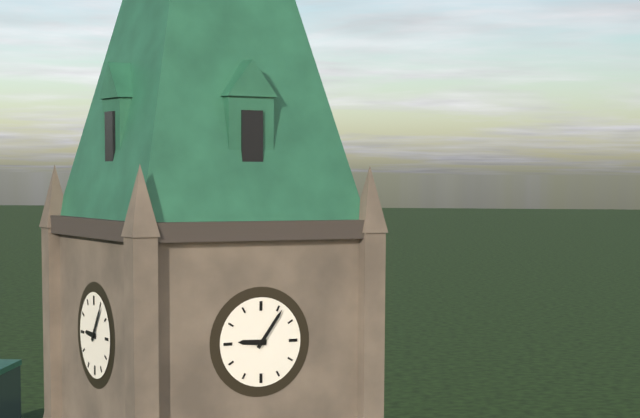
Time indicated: 9:06
